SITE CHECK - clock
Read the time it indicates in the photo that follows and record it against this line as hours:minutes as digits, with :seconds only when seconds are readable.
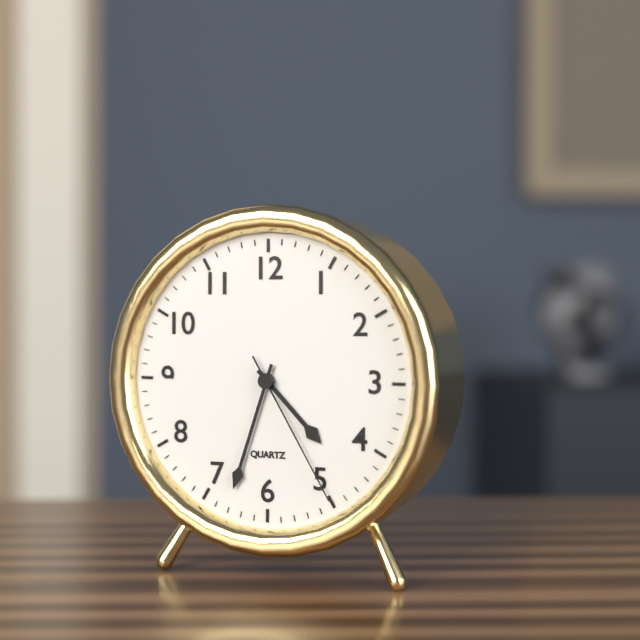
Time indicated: 4:33:25
